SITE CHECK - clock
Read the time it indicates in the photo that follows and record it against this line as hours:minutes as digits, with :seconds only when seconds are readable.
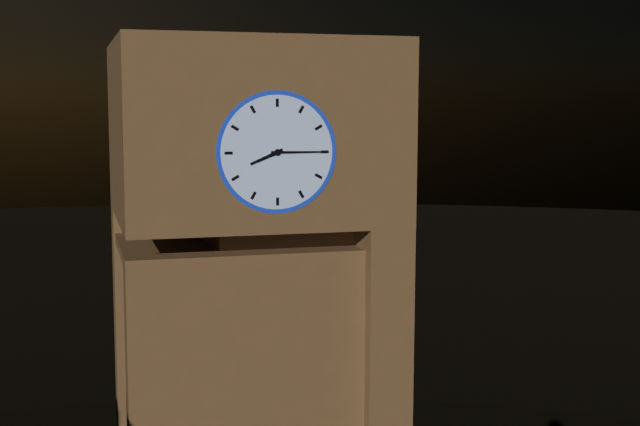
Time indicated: 8:15
